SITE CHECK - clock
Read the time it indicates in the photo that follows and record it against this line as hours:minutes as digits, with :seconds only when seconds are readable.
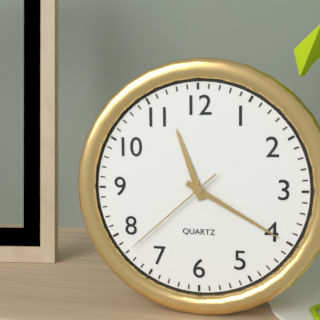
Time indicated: 11:20:38
